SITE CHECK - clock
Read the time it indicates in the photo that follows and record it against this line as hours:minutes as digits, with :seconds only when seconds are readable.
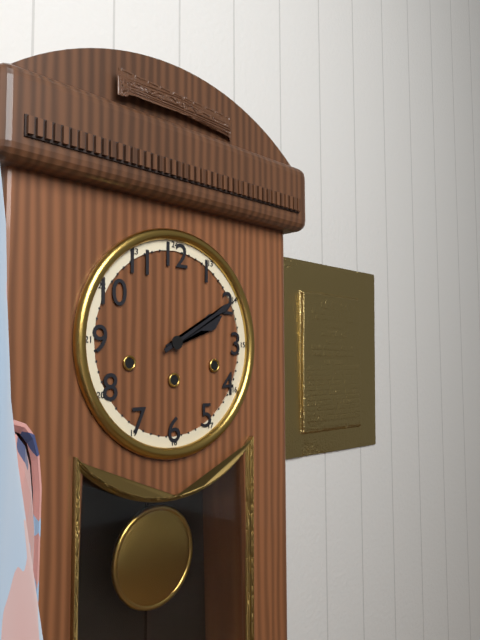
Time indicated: 2:10
